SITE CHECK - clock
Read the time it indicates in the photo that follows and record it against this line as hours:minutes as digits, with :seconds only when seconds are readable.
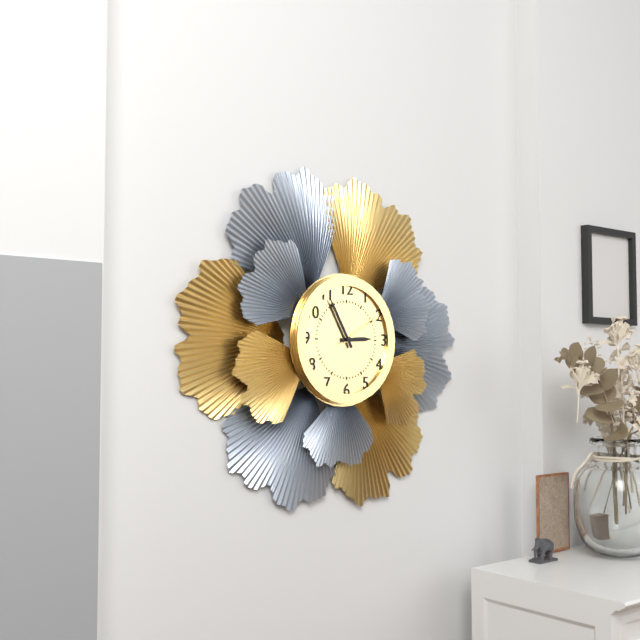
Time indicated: 2:55:10
